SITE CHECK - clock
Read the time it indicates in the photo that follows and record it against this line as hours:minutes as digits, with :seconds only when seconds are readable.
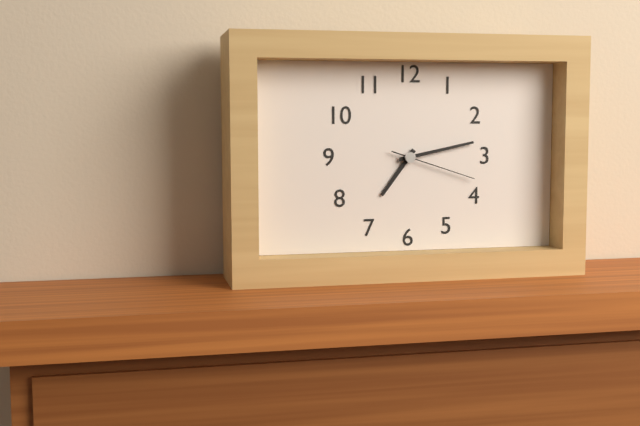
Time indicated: 7:13:18
